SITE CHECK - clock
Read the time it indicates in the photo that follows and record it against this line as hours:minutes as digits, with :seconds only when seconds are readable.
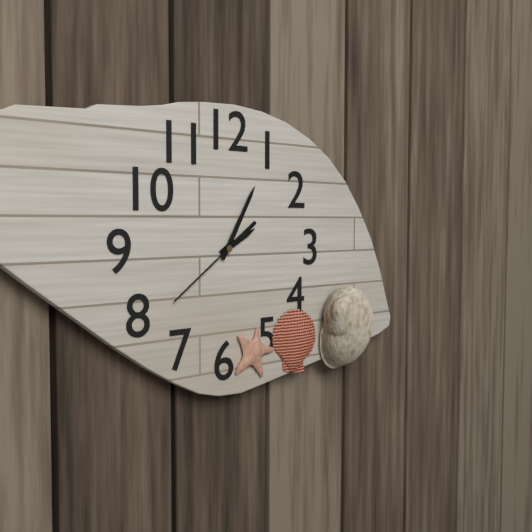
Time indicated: 2:05:39
